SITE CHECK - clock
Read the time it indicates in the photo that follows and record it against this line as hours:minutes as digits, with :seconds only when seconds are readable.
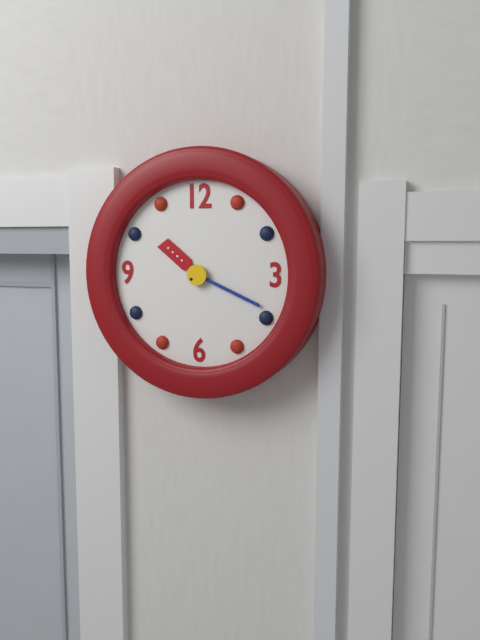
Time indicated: 10:19
